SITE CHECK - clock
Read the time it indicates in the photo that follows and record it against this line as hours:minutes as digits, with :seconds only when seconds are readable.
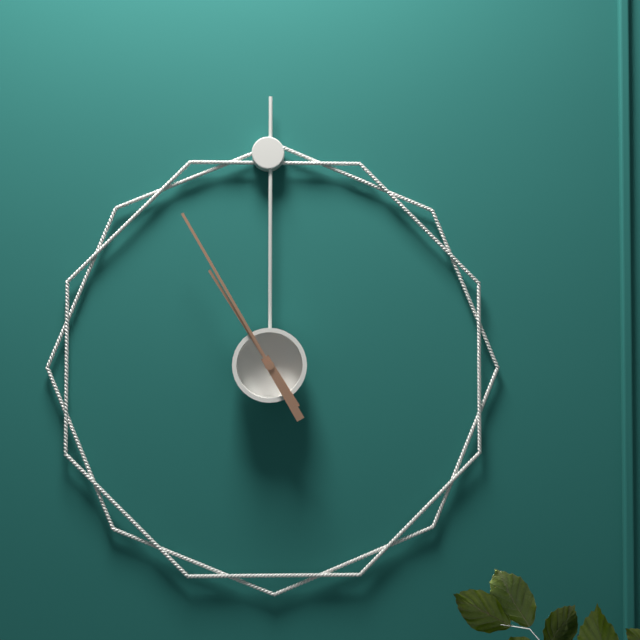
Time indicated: 10:55
